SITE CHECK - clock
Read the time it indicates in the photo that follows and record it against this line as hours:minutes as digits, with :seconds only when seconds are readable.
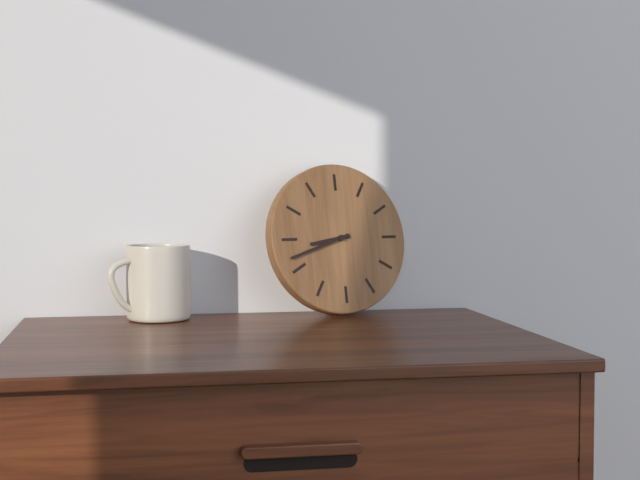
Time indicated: 8:42
